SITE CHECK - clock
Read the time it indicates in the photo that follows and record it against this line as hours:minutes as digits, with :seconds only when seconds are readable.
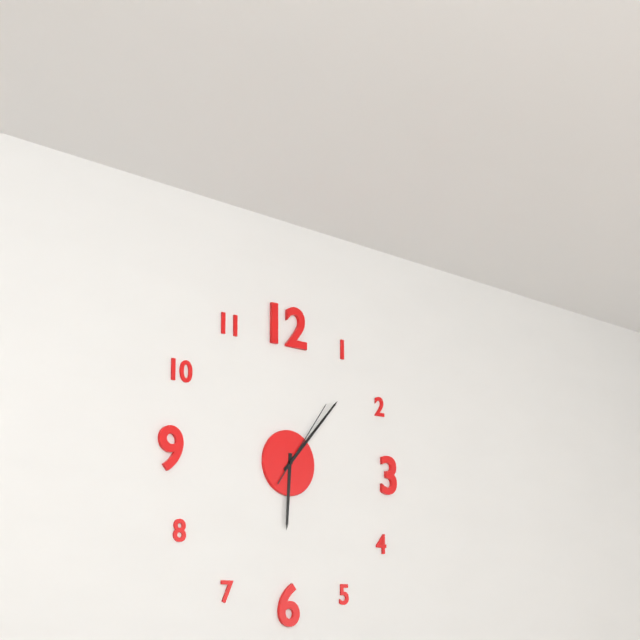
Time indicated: 6:07:06
